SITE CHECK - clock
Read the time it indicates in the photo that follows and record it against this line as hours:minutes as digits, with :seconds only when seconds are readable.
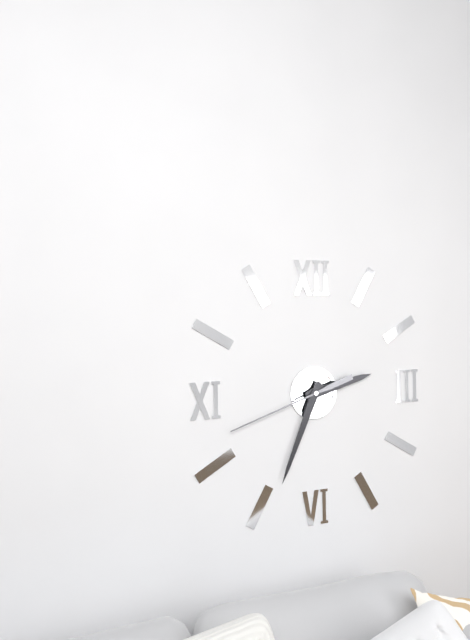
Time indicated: 2:34:42
